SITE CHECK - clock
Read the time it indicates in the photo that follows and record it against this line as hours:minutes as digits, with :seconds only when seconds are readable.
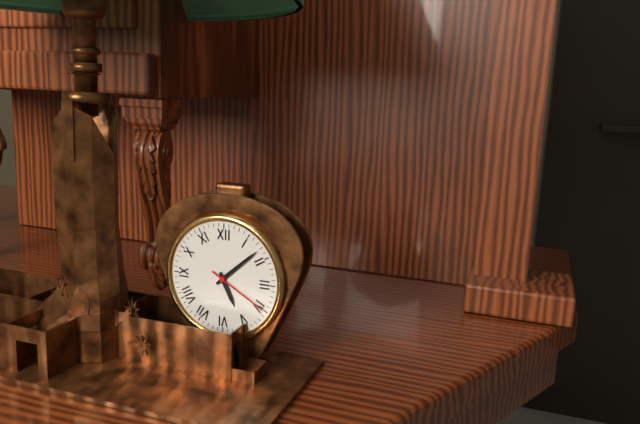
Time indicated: 5:08:20
